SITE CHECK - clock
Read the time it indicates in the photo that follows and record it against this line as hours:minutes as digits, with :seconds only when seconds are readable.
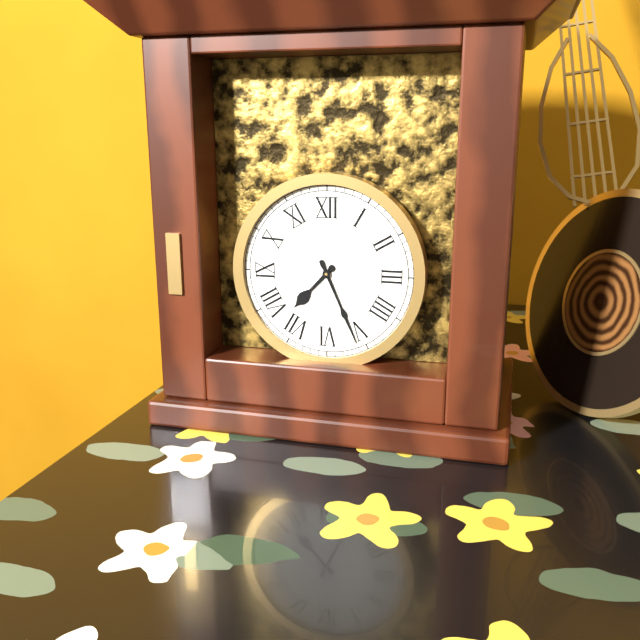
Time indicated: 7:26
